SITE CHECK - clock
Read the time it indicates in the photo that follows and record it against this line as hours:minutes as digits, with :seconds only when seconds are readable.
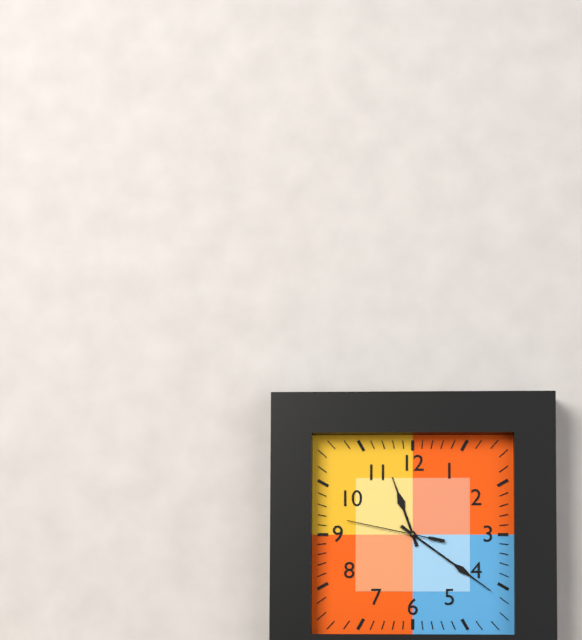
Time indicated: 11:21:47
